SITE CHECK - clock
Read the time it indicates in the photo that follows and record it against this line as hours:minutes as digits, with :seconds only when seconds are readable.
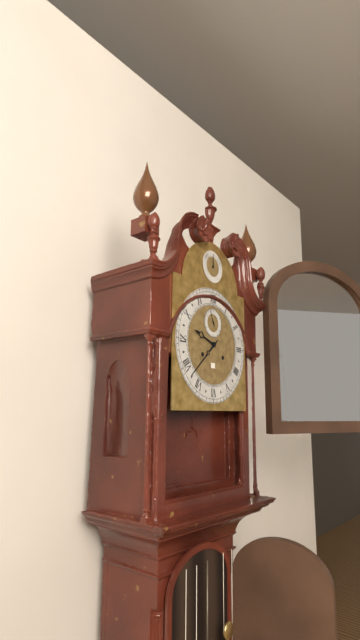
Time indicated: 9:38
